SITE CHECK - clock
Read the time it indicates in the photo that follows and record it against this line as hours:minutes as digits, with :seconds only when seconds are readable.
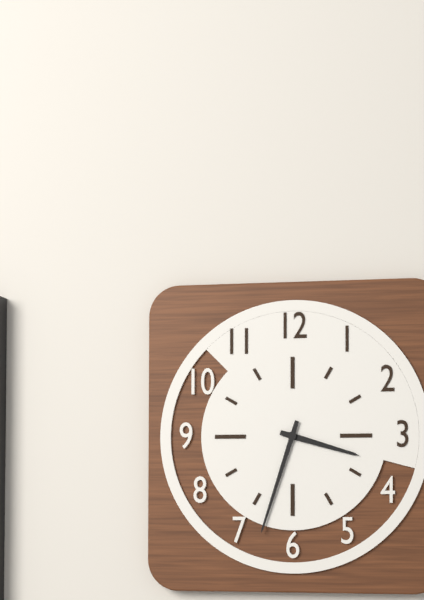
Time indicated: 3:33
